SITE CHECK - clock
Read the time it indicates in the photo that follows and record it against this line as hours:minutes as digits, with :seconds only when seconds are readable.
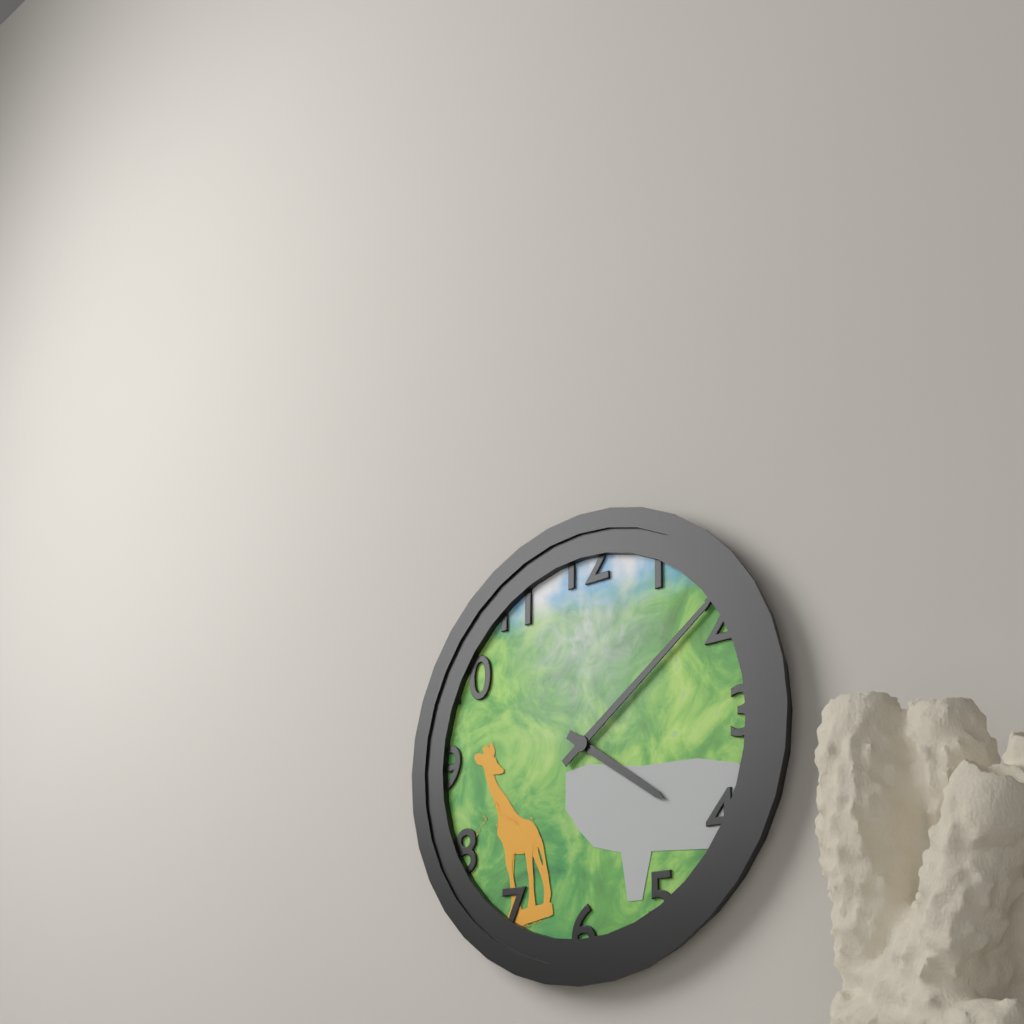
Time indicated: 4:09
